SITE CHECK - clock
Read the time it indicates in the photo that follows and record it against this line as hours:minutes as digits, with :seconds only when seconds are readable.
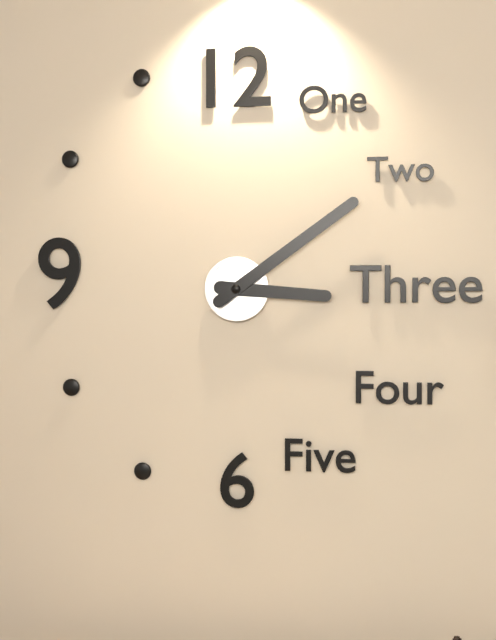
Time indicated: 3:09
